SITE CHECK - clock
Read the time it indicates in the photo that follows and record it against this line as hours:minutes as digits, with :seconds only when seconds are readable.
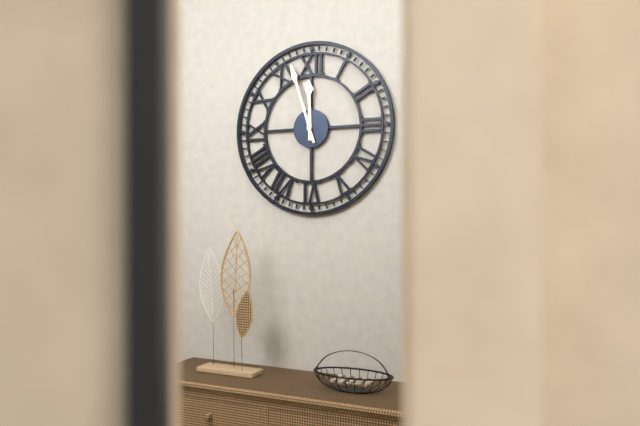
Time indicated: 11:57
